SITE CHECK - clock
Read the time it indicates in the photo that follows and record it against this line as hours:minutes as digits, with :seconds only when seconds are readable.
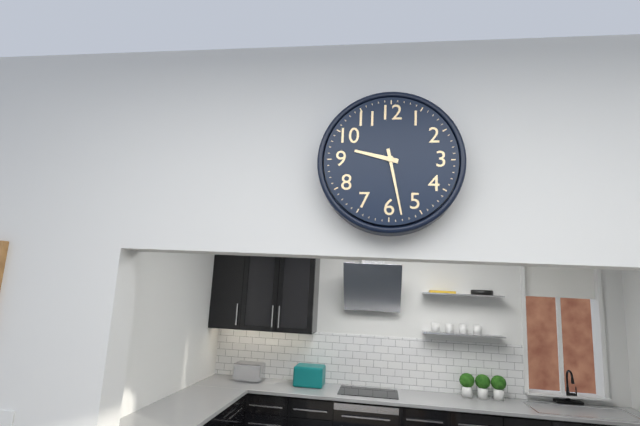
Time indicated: 9:28
